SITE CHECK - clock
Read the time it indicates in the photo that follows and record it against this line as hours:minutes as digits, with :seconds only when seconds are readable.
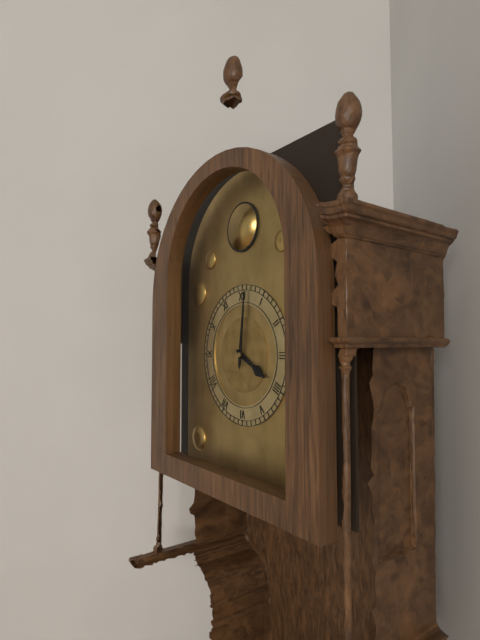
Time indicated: 4:01
